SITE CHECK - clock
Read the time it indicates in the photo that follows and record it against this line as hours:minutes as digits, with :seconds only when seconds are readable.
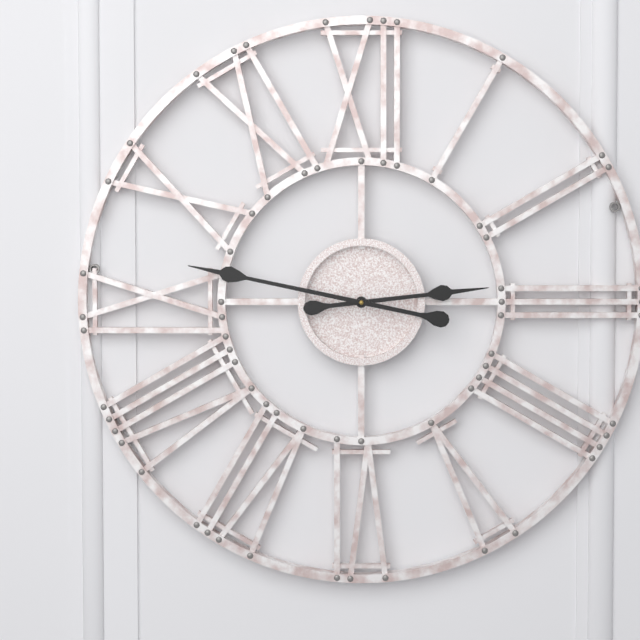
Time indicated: 2:47
